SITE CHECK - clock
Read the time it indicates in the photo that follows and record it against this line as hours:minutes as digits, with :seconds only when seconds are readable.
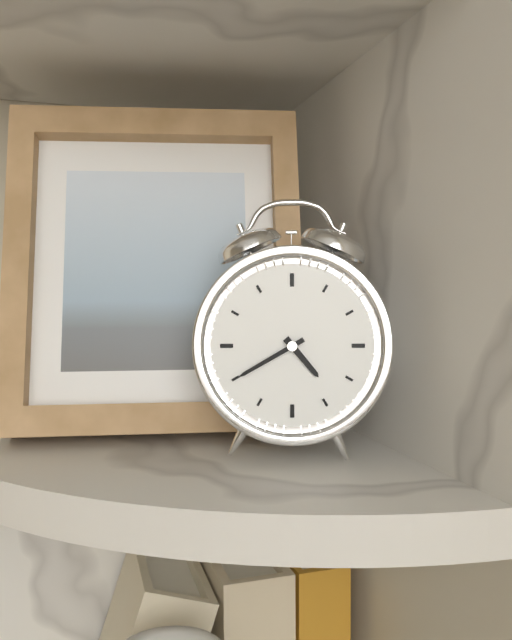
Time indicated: 4:40
